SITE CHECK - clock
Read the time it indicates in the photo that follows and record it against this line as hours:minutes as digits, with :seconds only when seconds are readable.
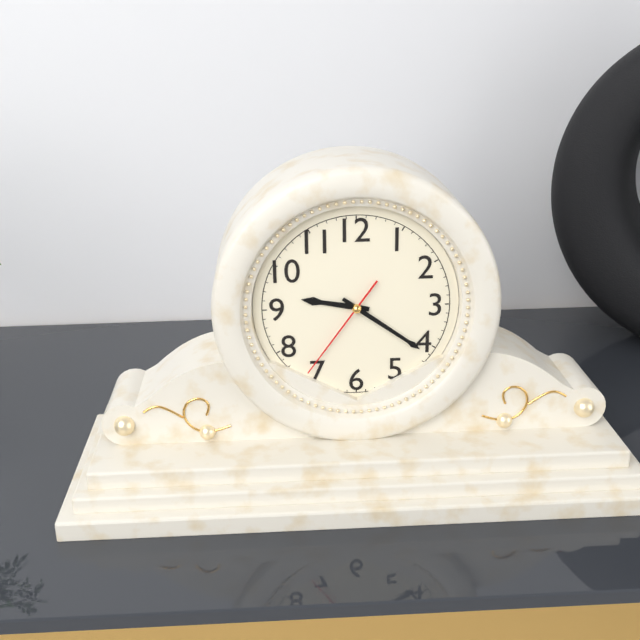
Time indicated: 9:21:36
